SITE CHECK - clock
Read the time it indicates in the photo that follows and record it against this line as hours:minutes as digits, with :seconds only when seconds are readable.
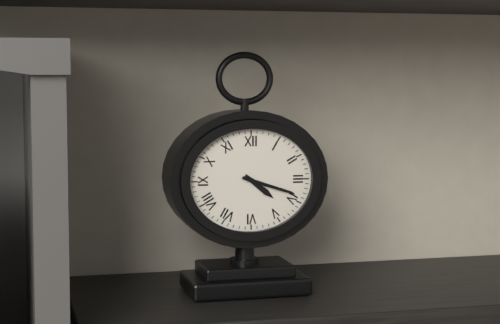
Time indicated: 4:18
